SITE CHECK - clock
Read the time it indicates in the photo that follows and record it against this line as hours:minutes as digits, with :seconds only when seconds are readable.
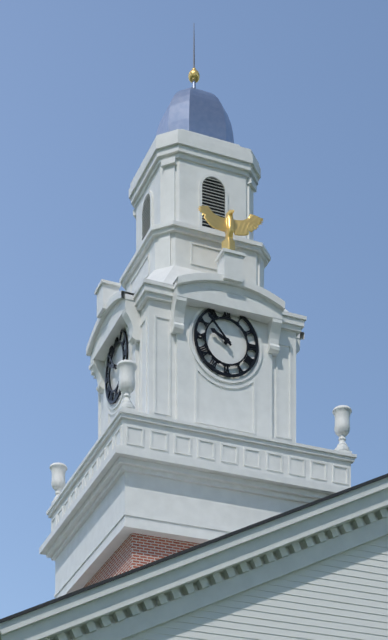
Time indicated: 9:53
